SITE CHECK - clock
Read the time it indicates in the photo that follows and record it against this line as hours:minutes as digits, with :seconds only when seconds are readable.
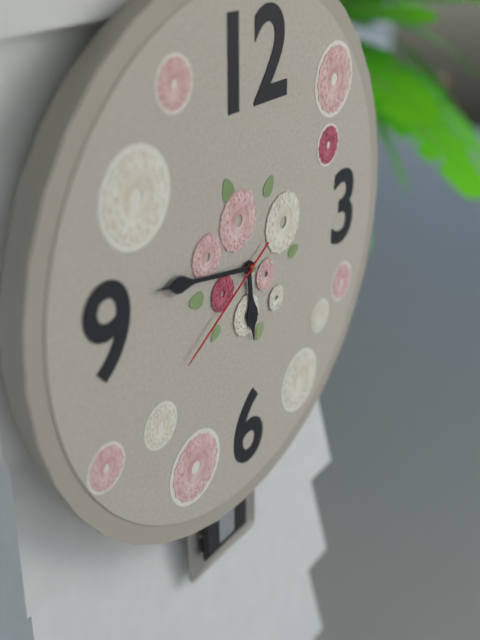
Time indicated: 5:47:40
